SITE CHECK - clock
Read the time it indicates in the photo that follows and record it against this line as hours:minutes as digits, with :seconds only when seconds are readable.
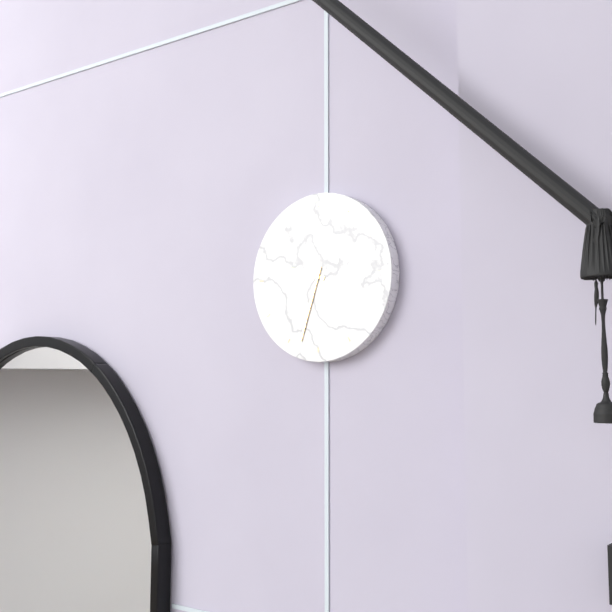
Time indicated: 9:33
